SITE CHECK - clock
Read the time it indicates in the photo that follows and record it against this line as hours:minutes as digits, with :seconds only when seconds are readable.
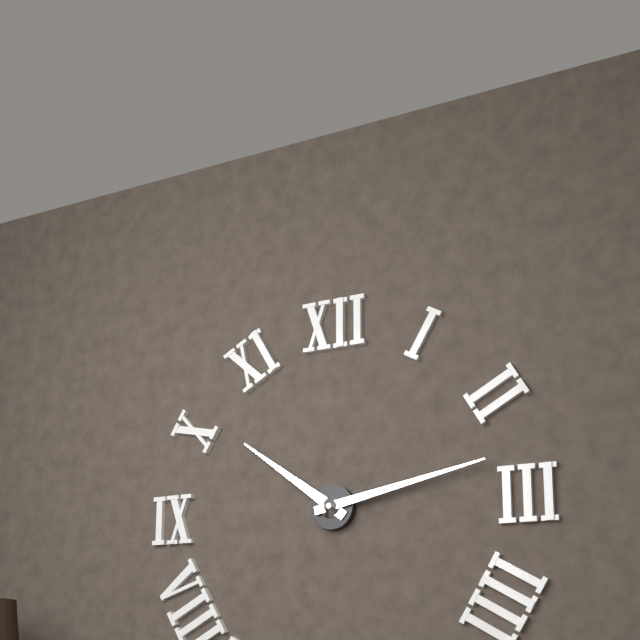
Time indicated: 10:13
